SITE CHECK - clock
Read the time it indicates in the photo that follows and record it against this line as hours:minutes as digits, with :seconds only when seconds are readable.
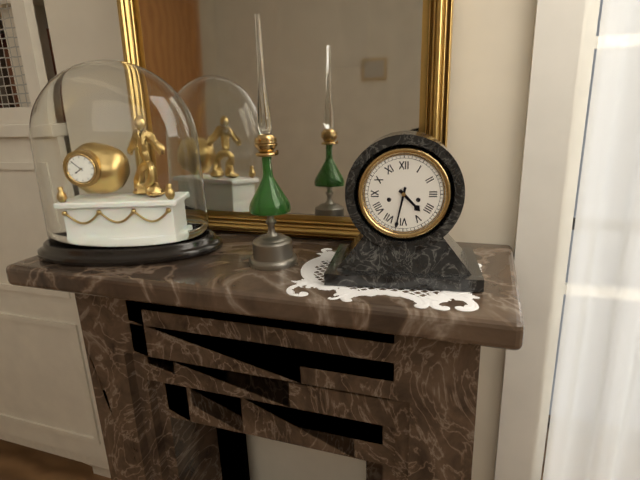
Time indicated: 4:32
